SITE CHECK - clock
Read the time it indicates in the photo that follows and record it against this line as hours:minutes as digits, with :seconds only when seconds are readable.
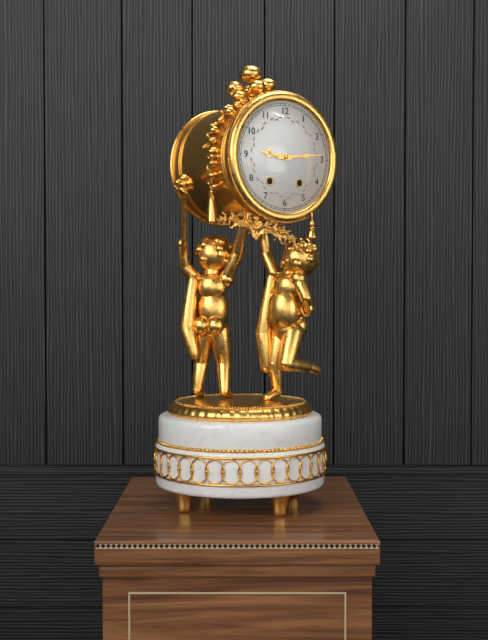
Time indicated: 9:14
